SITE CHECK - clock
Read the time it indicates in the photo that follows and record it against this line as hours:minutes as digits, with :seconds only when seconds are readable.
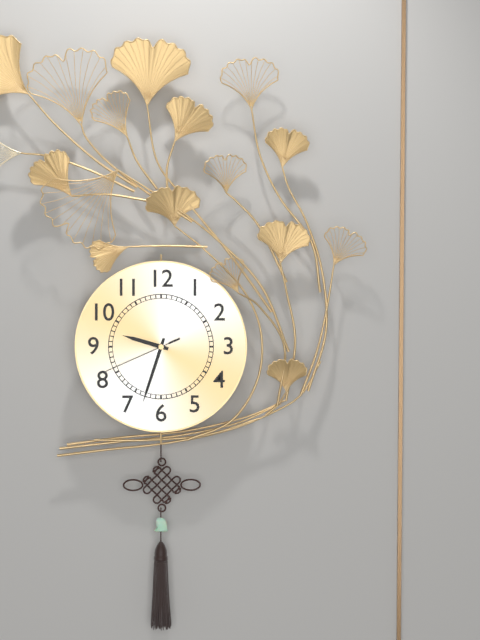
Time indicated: 9:33:41
